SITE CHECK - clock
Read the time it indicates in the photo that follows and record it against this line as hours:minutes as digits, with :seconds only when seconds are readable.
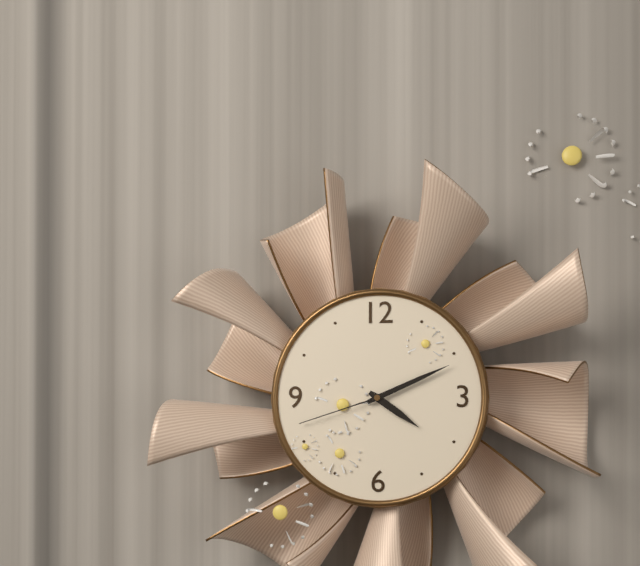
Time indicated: 4:11:42
